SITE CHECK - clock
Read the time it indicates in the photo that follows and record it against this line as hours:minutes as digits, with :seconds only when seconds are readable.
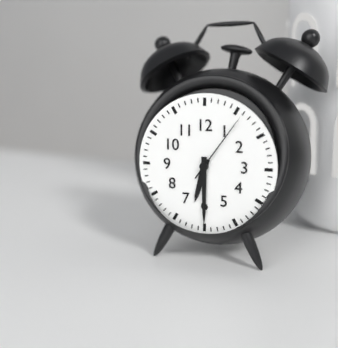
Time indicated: 6:30:06
